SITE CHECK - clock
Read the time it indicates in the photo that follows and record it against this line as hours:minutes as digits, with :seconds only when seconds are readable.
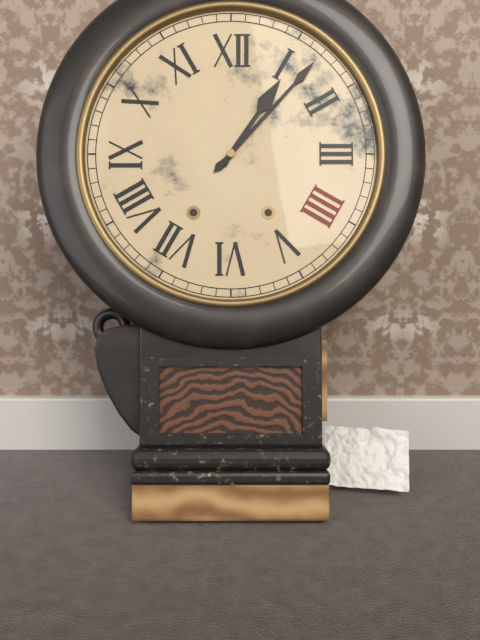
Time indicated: 1:07
